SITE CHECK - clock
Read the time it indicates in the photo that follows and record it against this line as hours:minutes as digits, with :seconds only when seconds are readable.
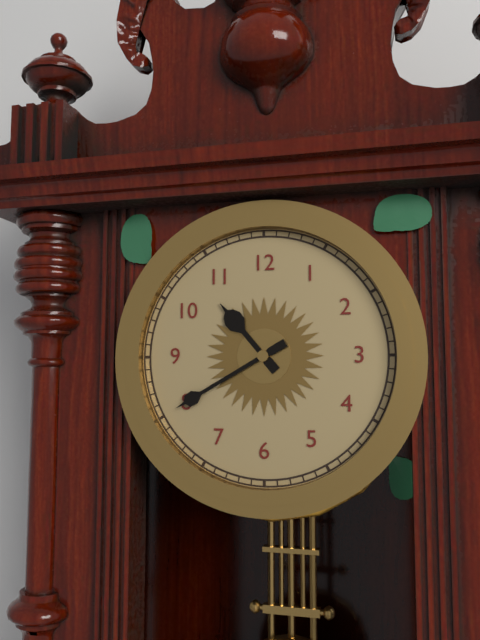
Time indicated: 10:40
